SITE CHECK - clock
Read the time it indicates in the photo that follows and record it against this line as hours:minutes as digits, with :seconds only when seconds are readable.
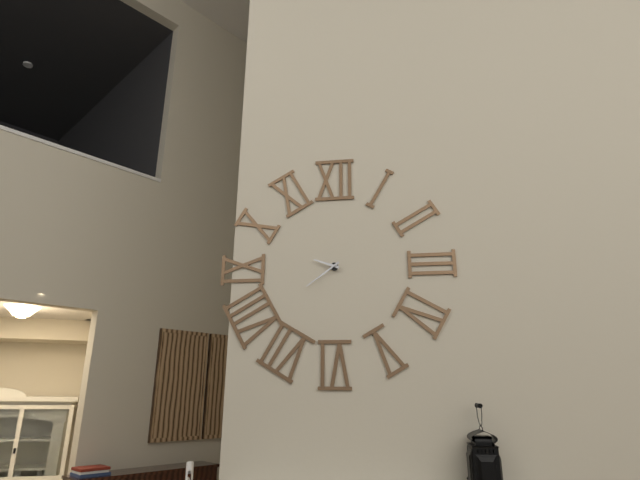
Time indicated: 9:39
